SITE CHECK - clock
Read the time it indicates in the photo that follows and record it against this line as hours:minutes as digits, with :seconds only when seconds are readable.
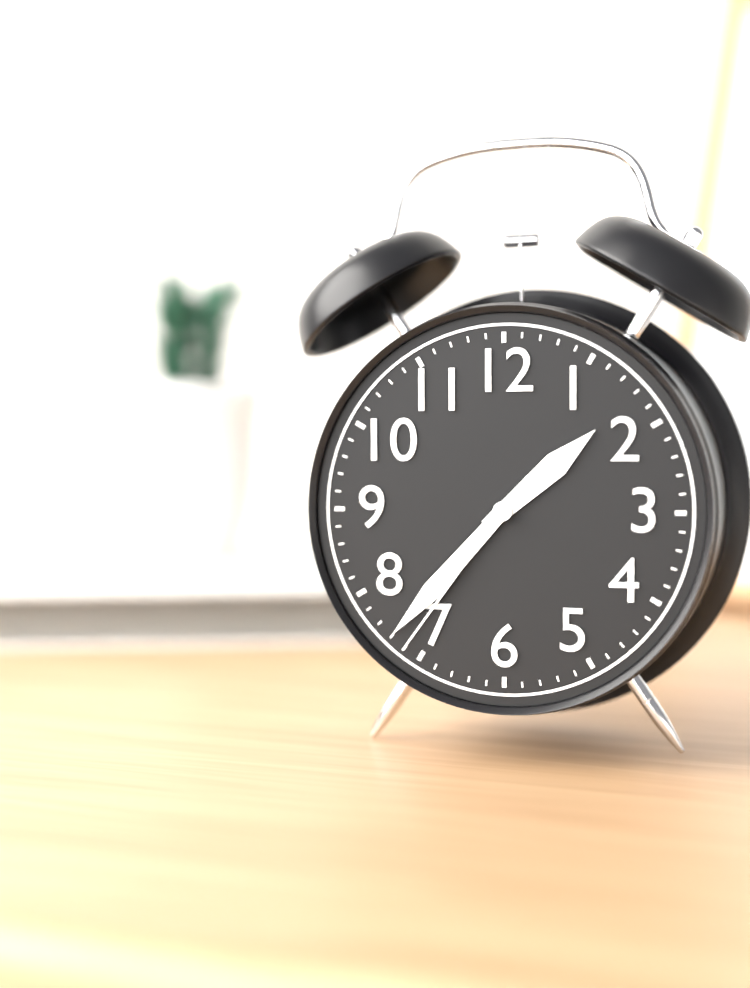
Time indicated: 1:37:36
